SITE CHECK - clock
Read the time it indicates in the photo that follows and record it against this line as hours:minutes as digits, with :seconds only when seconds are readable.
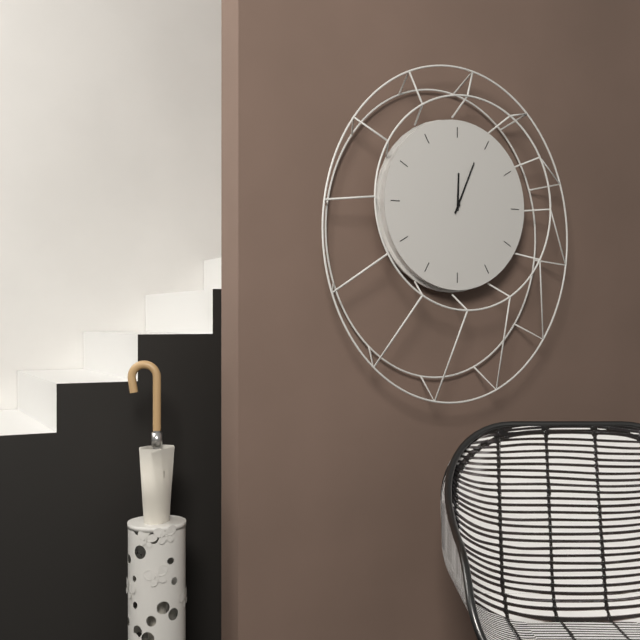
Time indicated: 12:04
